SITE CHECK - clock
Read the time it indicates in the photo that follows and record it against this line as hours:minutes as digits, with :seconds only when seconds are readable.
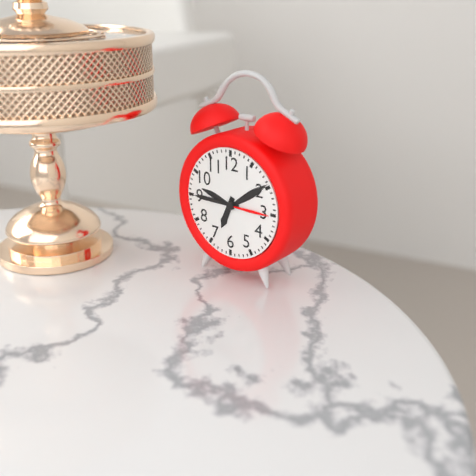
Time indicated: 6:45
